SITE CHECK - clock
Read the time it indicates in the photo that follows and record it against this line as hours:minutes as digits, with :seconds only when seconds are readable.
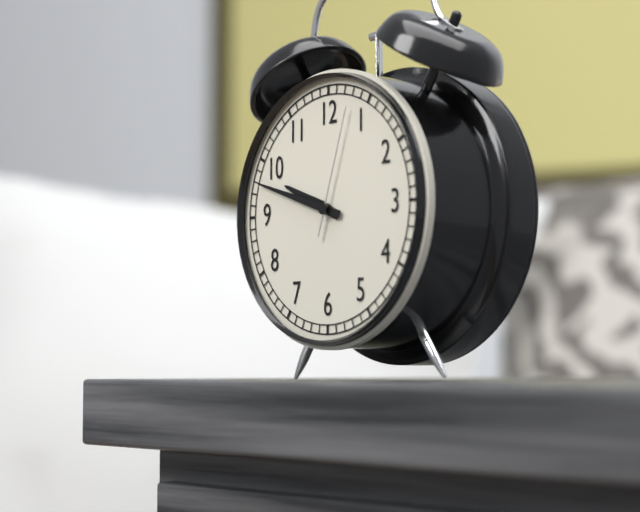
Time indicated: 9:48:03
